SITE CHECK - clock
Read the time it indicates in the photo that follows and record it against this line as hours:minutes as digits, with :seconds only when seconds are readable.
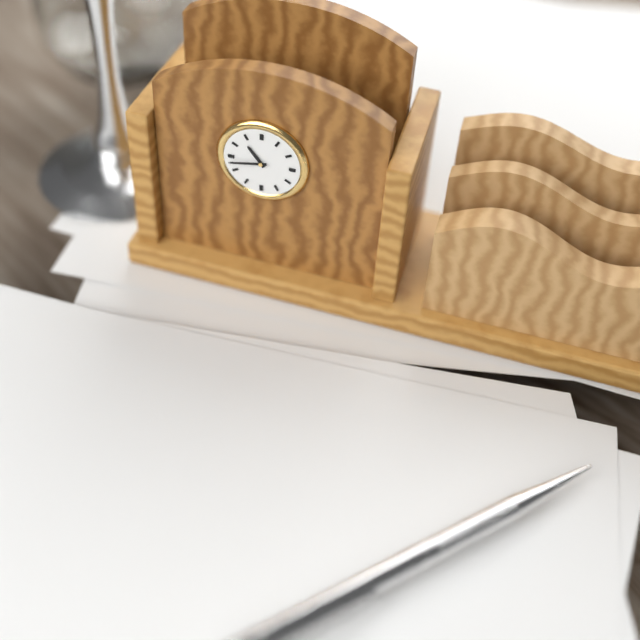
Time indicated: 10:43
